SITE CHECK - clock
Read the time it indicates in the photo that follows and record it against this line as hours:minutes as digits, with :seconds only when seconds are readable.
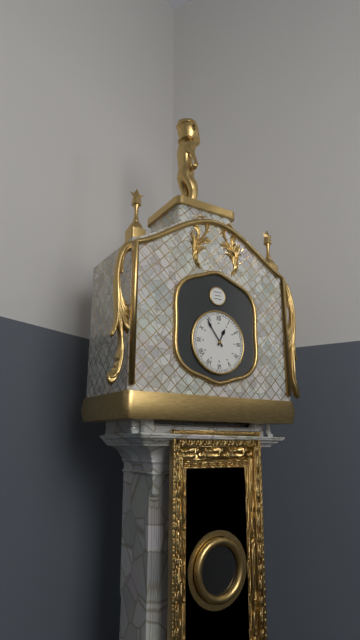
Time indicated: 12:54
